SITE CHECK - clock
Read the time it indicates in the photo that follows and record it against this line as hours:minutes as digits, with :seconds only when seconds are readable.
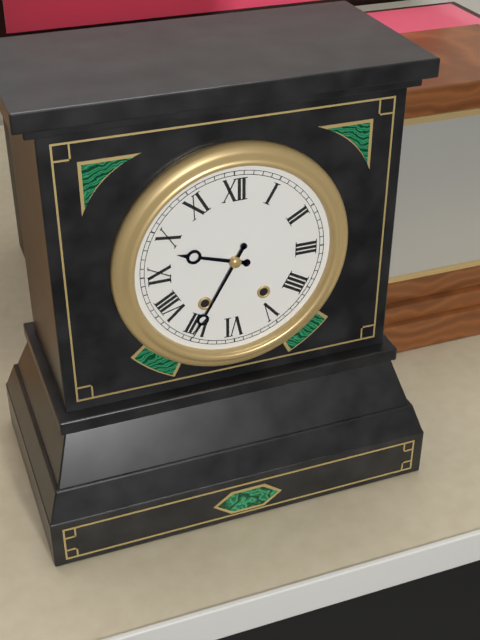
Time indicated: 9:35
